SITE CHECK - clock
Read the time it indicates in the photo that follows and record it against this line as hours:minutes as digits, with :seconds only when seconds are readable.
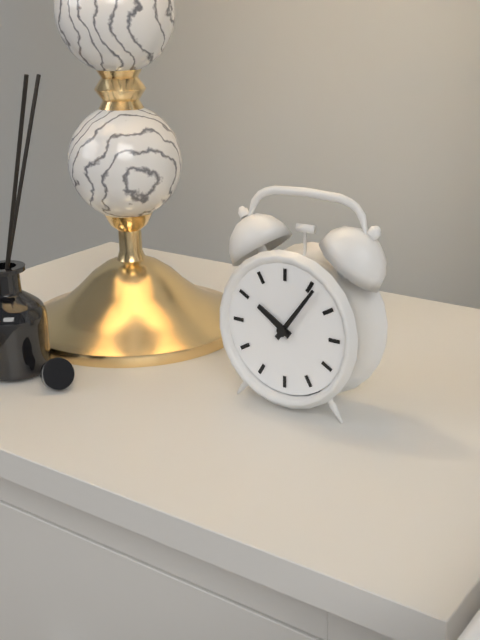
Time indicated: 10:06
